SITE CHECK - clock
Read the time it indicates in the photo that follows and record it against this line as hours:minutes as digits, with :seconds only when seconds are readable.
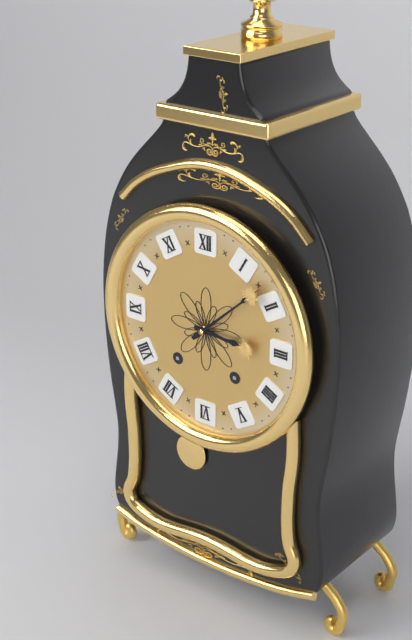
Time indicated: 3:08
